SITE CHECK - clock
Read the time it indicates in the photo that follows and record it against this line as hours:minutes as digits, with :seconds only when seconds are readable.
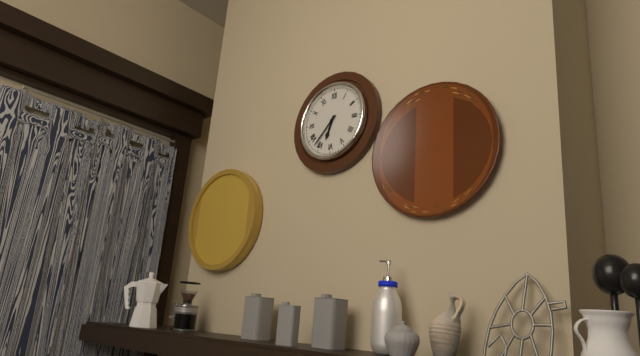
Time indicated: 6:37
